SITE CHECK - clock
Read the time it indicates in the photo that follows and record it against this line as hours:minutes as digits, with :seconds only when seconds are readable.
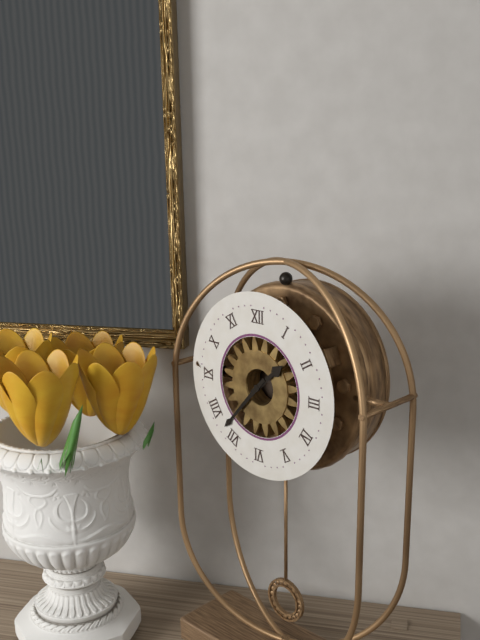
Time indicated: 1:37
